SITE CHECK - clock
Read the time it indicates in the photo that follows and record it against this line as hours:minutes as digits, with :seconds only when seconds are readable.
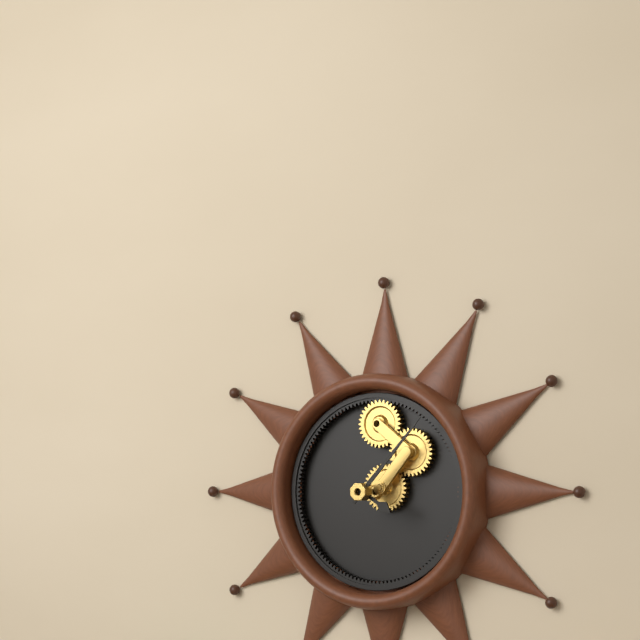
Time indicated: 4:07
